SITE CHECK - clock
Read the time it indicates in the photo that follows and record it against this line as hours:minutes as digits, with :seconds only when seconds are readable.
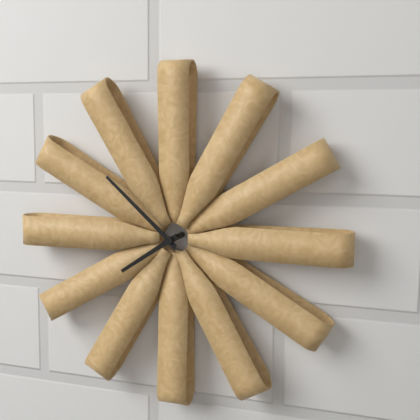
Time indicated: 7:52
